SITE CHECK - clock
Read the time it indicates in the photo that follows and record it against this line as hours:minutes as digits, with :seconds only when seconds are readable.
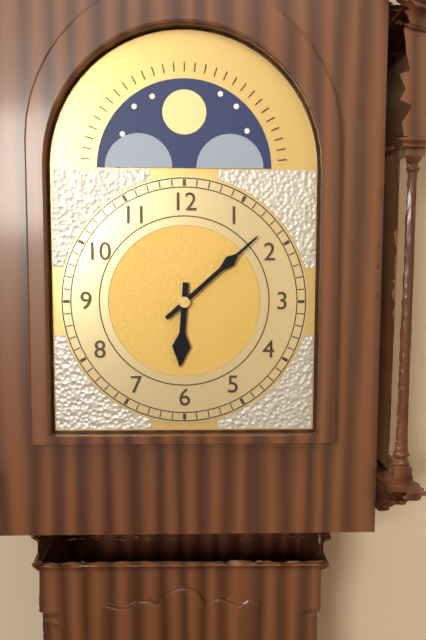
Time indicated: 6:08
